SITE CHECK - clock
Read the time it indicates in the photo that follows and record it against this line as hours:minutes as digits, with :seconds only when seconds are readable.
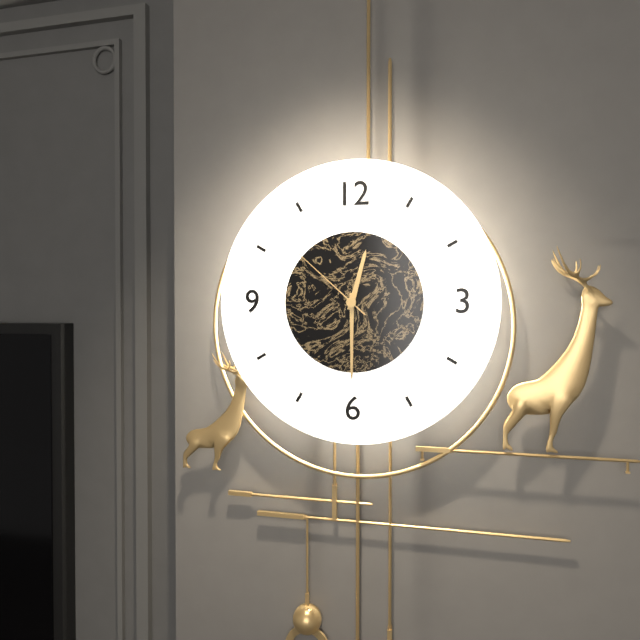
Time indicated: 12:30:52
